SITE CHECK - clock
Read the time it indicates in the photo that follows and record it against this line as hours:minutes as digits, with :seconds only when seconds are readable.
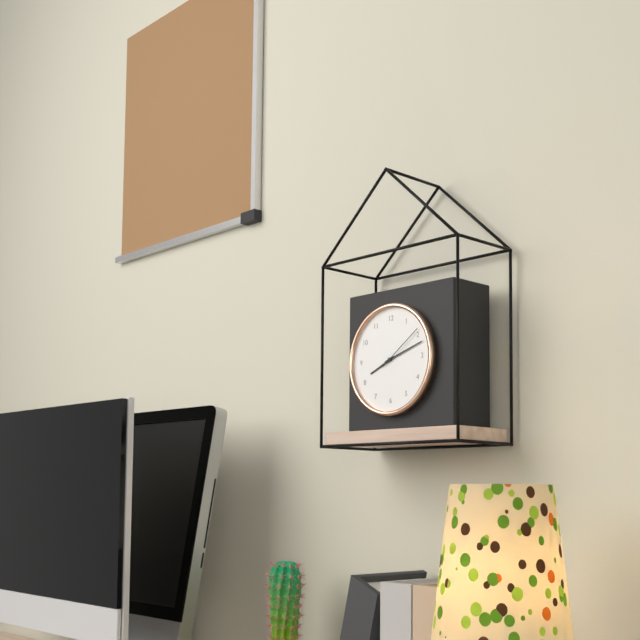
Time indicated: 8:12:09
